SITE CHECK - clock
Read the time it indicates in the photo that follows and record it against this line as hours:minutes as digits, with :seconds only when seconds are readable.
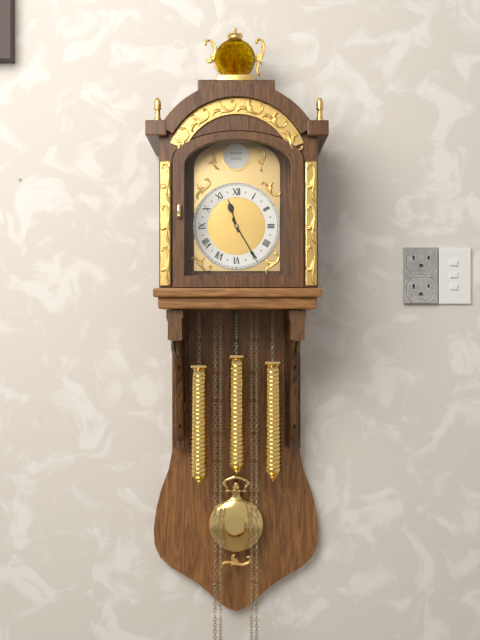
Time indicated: 11:25
